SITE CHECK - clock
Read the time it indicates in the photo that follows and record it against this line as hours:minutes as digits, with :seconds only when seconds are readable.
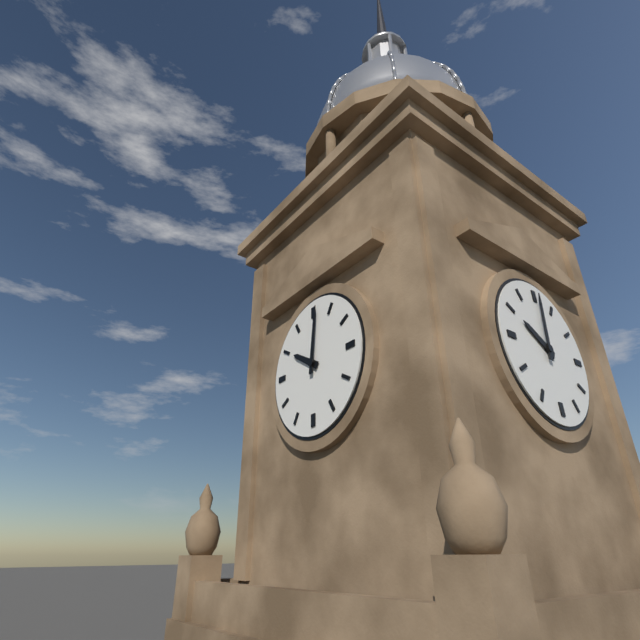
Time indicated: 10:01
